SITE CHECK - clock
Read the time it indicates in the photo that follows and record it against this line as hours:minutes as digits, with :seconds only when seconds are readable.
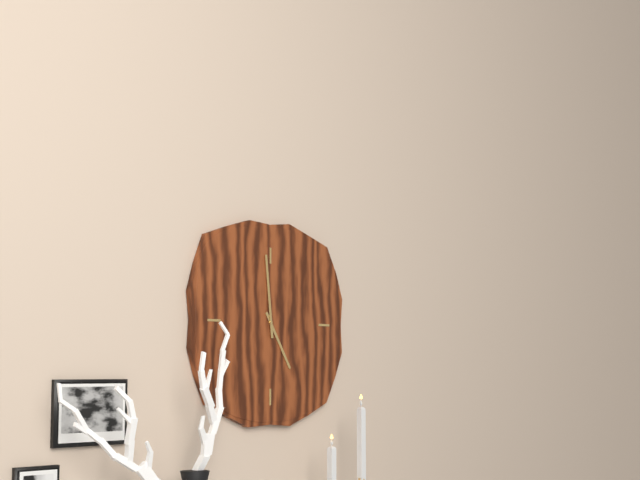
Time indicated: 4:59
